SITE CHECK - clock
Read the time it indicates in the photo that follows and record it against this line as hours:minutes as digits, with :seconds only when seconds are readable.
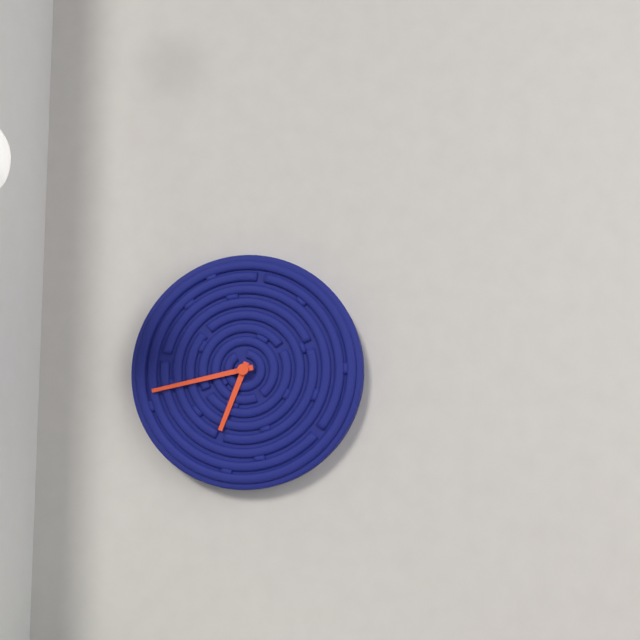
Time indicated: 6:43
